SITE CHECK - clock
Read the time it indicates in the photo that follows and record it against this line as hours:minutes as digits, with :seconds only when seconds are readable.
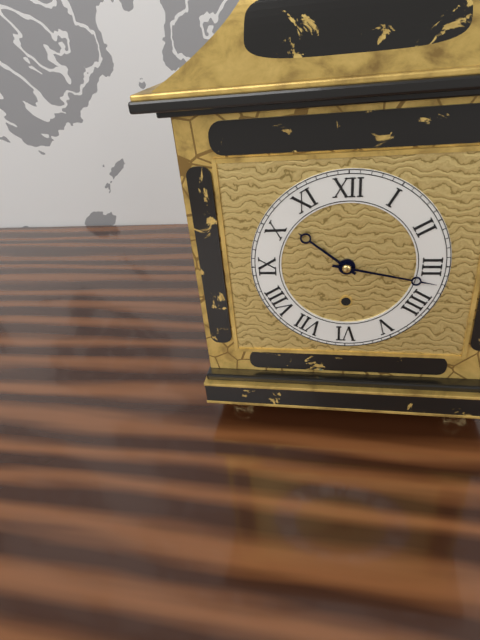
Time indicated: 10:17
